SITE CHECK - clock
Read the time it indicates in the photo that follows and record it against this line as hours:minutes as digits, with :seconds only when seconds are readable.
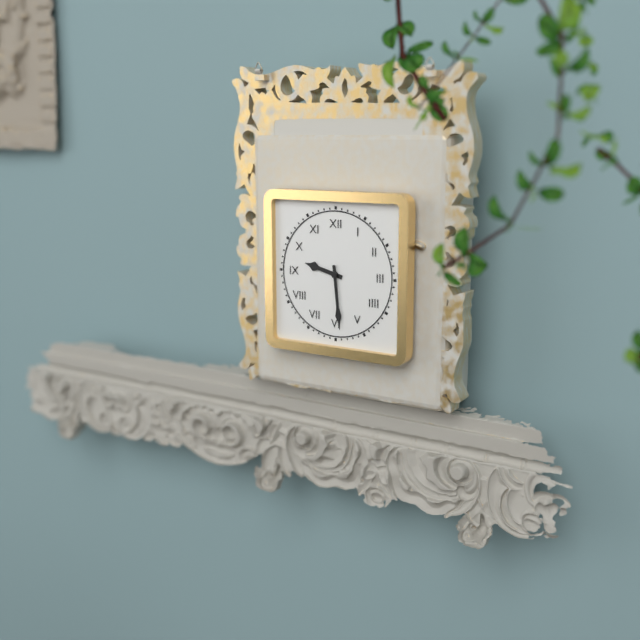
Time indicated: 9:29
